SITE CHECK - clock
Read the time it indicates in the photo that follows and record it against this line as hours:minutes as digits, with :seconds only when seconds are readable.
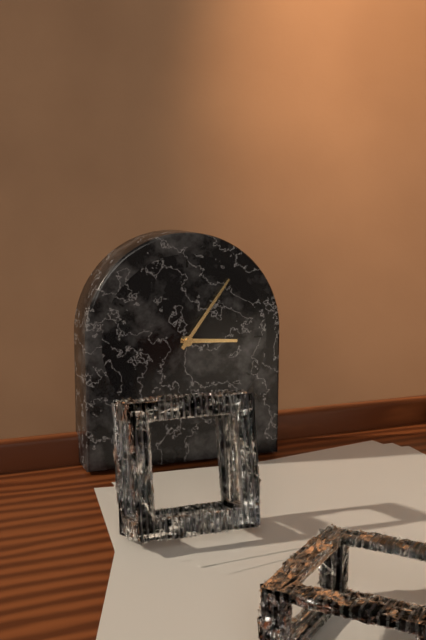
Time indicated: 3:06
